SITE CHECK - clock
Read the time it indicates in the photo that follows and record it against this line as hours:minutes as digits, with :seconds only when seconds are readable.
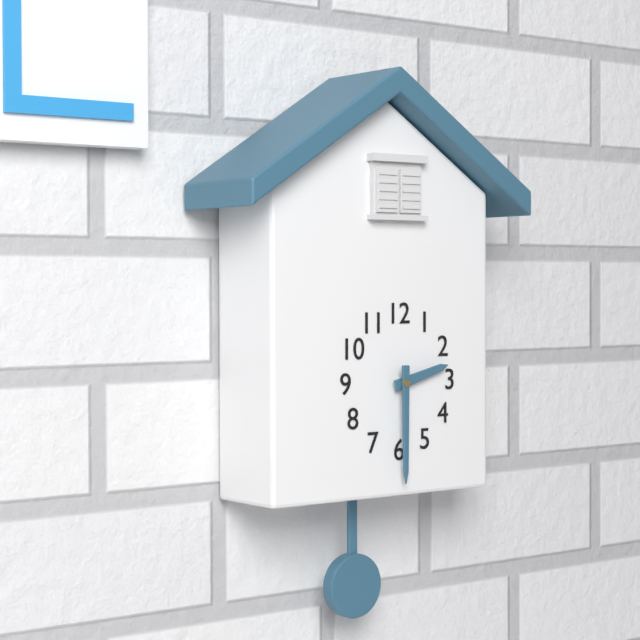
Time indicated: 2:30
